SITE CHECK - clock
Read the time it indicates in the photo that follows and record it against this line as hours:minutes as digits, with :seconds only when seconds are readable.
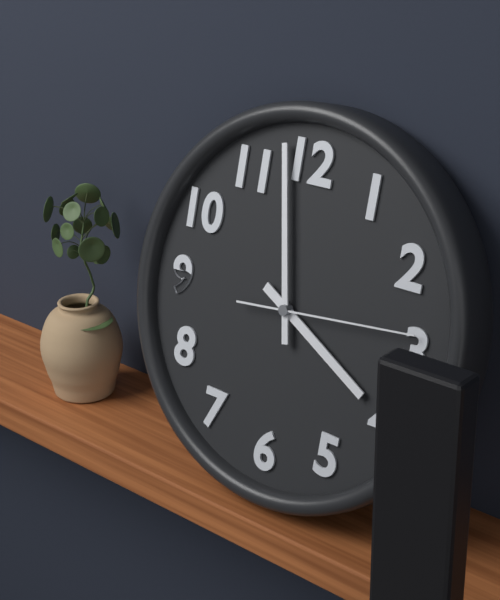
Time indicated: 3:58:14
